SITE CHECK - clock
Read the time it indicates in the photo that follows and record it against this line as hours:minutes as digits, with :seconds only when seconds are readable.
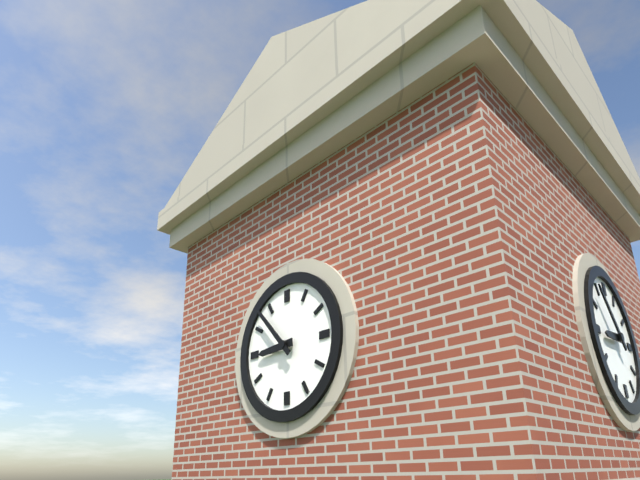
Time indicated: 8:53
